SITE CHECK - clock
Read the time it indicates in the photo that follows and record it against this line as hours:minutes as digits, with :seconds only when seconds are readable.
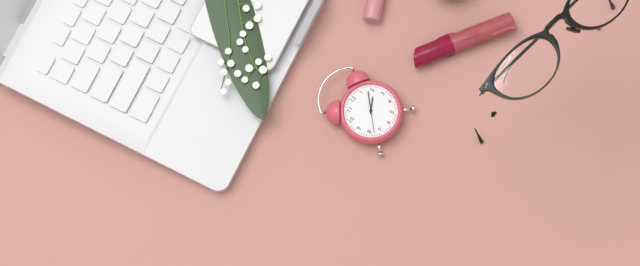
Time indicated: 2:08
